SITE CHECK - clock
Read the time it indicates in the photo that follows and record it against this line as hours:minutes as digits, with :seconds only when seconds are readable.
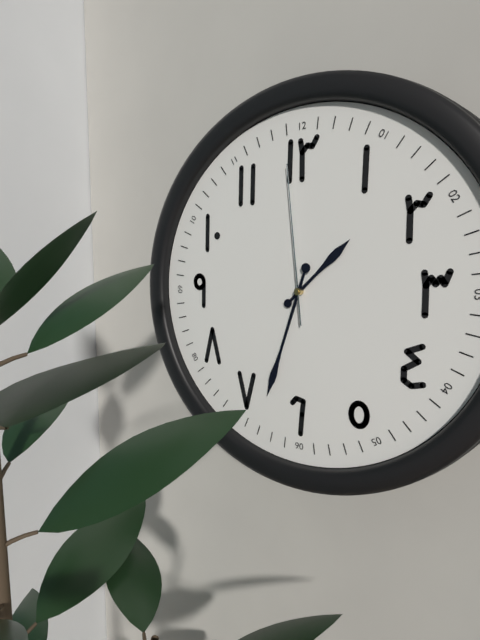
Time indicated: 1:33:59
